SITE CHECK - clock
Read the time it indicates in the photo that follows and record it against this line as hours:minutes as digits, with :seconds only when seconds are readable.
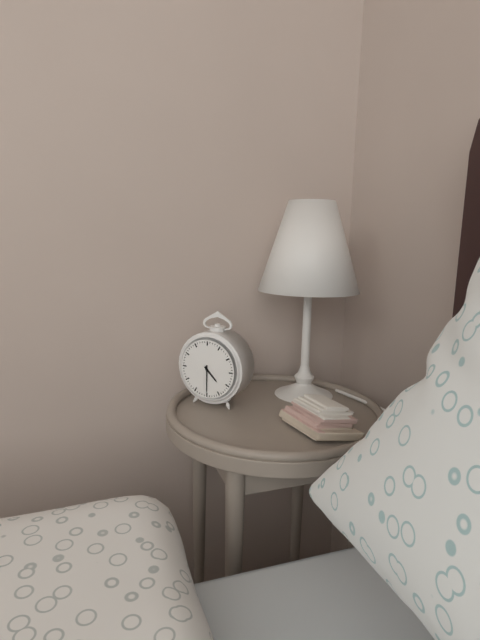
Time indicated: 4:30
